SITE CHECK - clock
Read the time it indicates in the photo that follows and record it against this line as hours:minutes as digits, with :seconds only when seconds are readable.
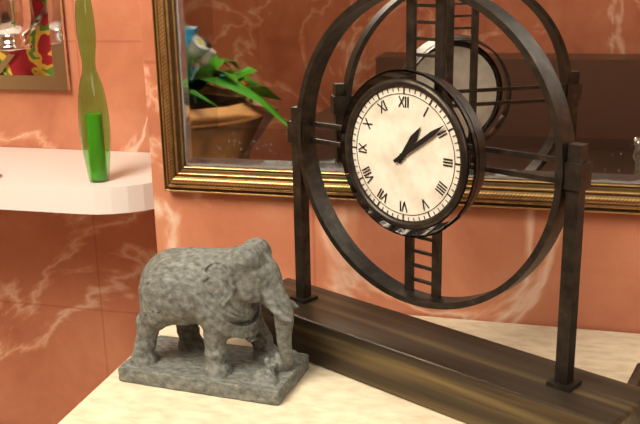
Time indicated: 1:09
